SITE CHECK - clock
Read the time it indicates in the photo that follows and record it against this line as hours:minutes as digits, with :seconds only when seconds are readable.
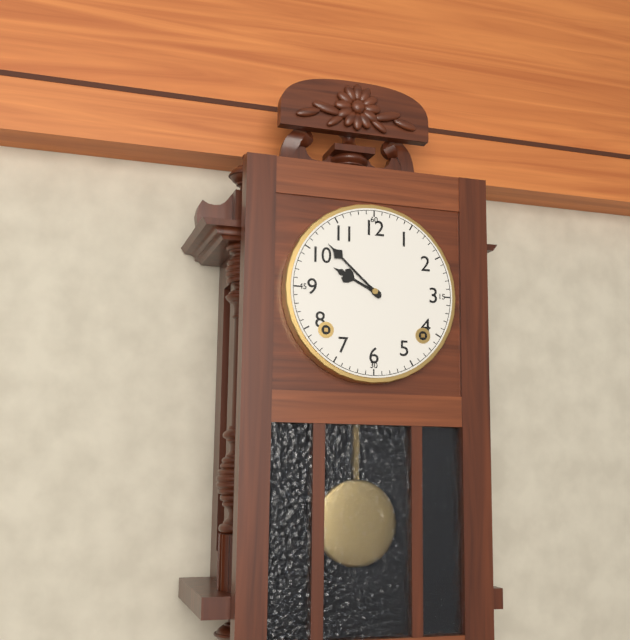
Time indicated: 9:52
